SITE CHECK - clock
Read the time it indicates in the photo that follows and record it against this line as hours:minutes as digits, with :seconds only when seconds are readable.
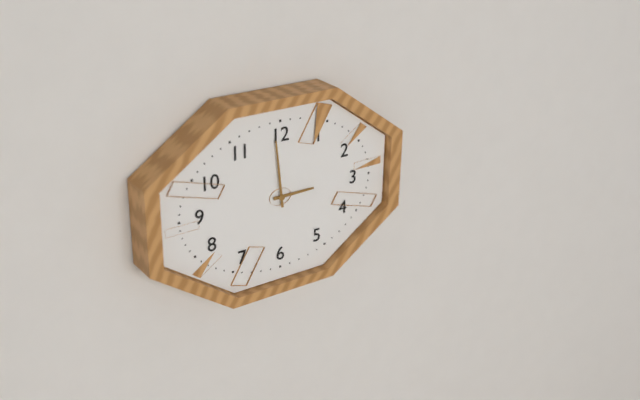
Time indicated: 2:59
